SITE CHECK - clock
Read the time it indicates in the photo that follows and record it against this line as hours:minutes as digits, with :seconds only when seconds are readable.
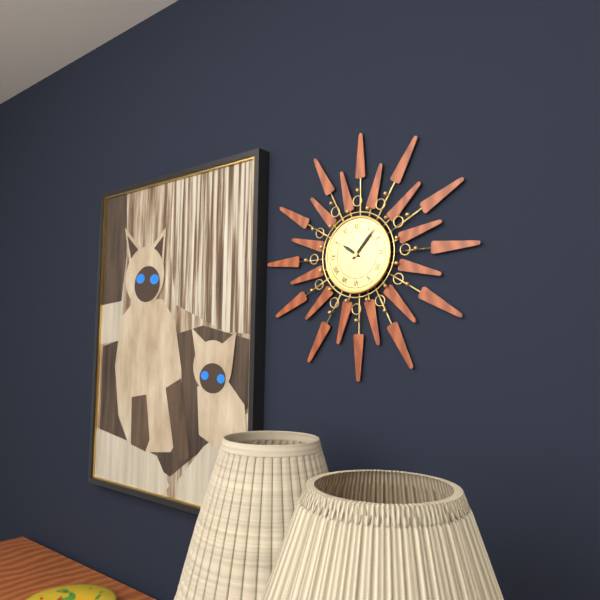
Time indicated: 10:07
